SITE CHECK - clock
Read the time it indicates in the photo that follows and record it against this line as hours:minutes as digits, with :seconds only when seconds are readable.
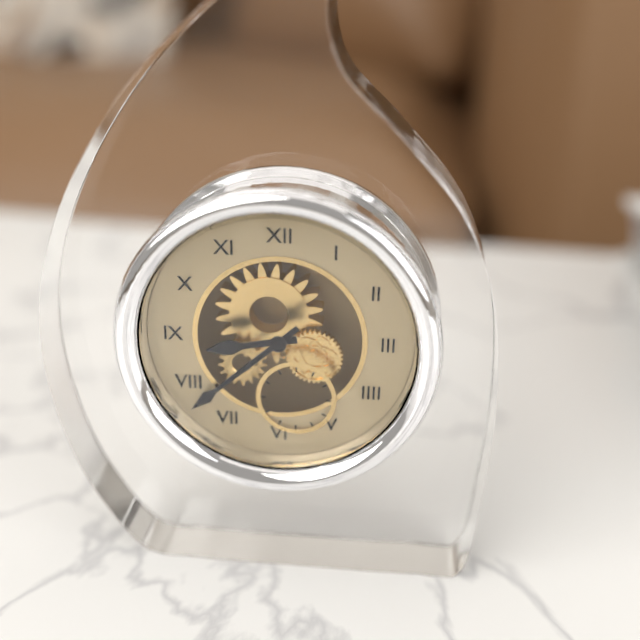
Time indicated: 8:38
